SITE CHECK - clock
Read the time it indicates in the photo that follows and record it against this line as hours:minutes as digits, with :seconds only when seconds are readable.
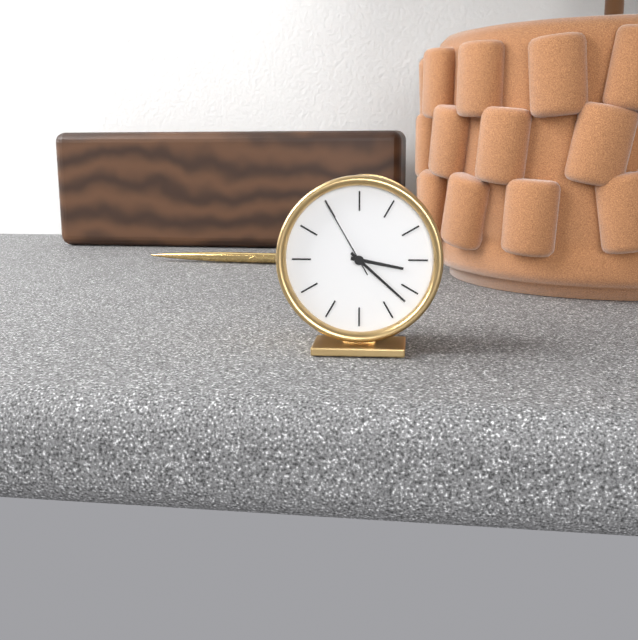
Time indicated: 3:22:55
